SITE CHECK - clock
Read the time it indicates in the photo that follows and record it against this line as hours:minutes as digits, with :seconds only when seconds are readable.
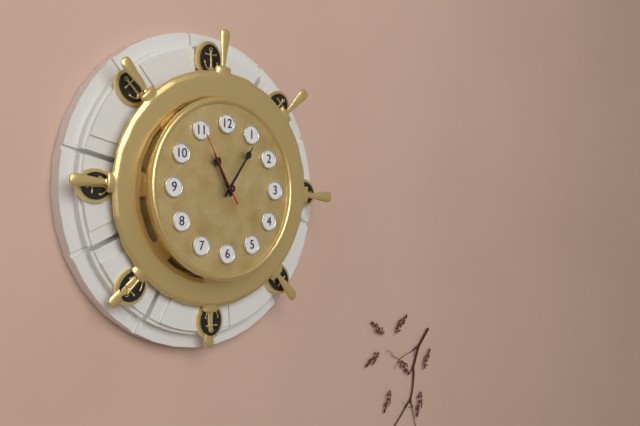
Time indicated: 11:06:55
